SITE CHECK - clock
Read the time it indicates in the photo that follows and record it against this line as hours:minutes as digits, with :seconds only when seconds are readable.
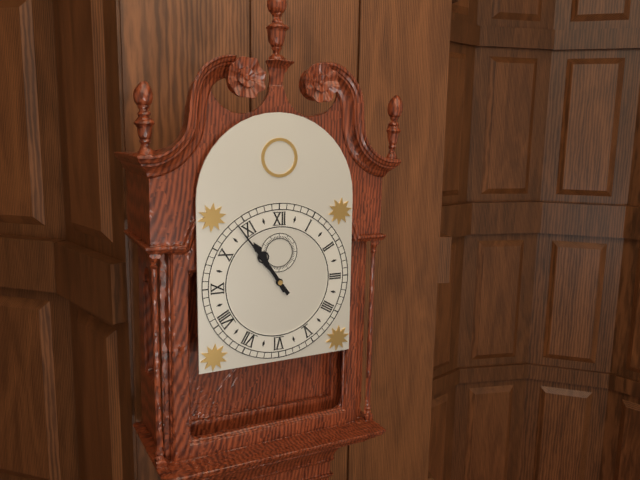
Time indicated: 10:54
